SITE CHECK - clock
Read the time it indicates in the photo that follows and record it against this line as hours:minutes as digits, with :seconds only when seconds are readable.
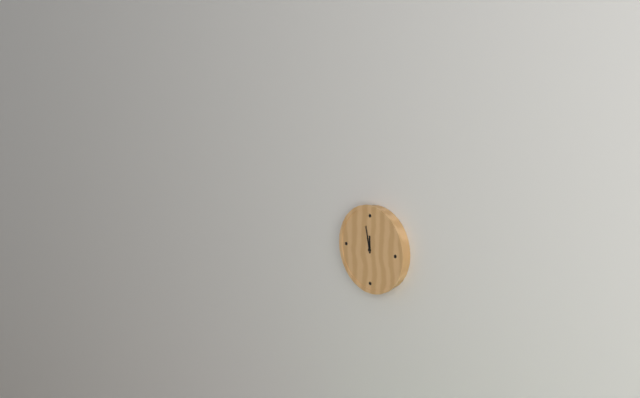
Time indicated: 11:58
